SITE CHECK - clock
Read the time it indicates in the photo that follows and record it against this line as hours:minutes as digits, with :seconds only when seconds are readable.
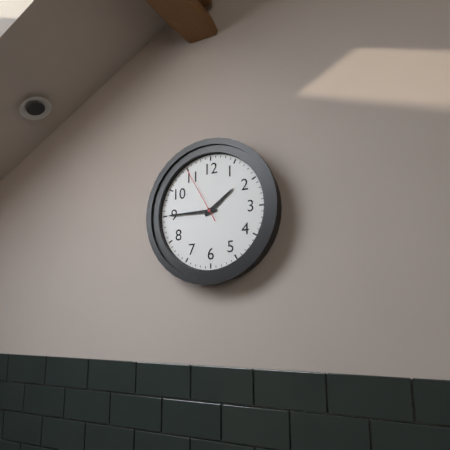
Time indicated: 1:45:55
